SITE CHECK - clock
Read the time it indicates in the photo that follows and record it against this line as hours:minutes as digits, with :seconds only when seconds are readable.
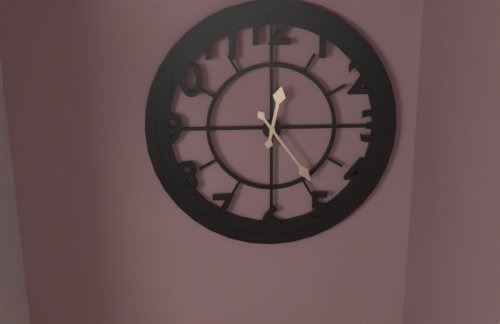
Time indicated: 12:24
